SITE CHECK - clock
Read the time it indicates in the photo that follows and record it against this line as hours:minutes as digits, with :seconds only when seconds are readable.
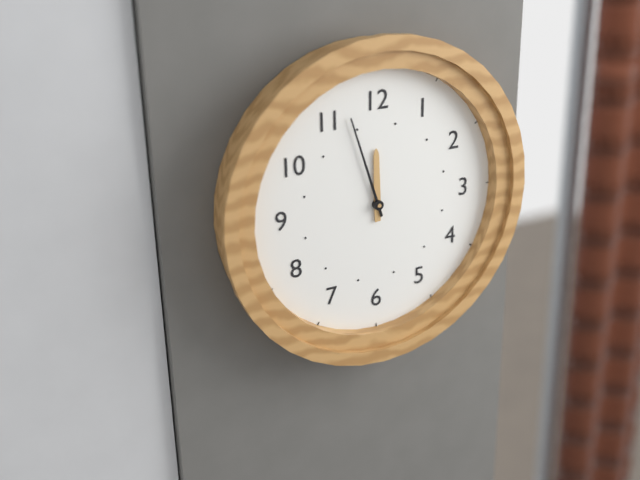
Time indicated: 11:57
